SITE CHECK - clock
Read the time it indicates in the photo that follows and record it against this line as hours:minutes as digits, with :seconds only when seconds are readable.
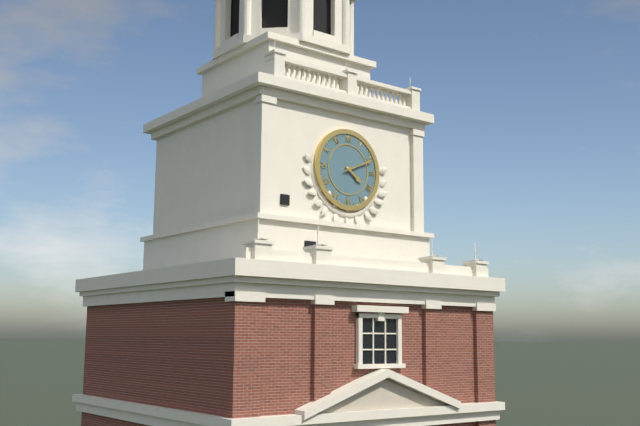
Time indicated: 4:11
